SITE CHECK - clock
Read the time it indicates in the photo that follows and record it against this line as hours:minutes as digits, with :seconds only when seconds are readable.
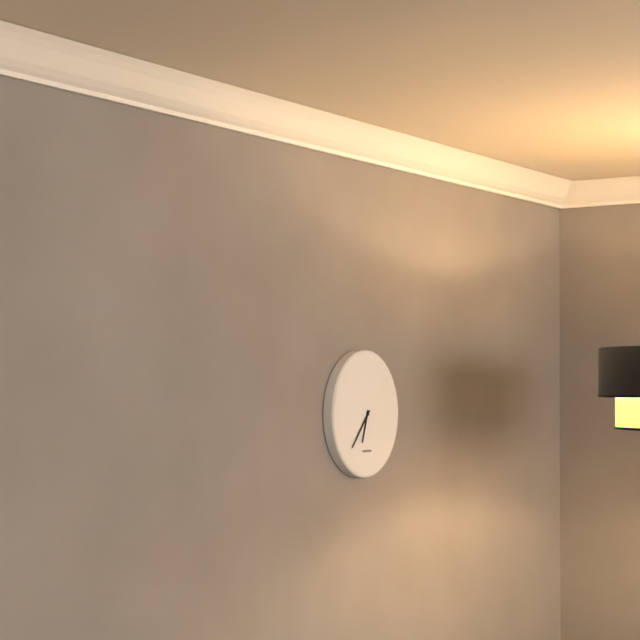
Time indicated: 6:37
